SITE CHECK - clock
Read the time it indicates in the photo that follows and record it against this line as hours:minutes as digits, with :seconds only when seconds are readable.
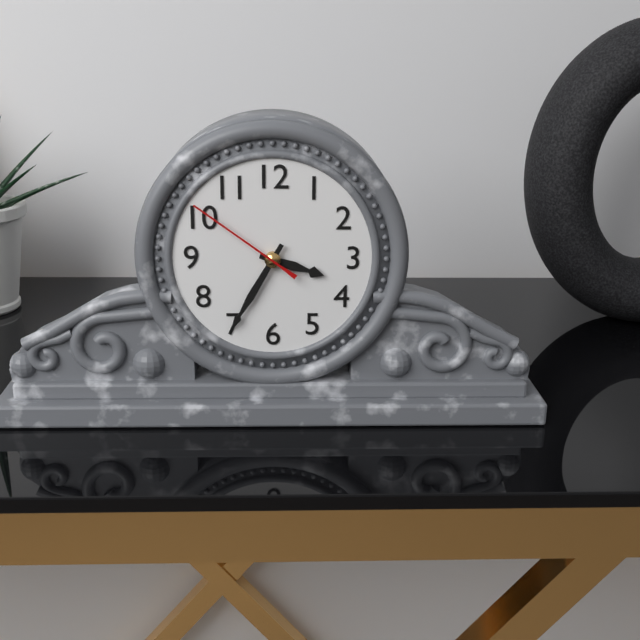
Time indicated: 3:35:51
